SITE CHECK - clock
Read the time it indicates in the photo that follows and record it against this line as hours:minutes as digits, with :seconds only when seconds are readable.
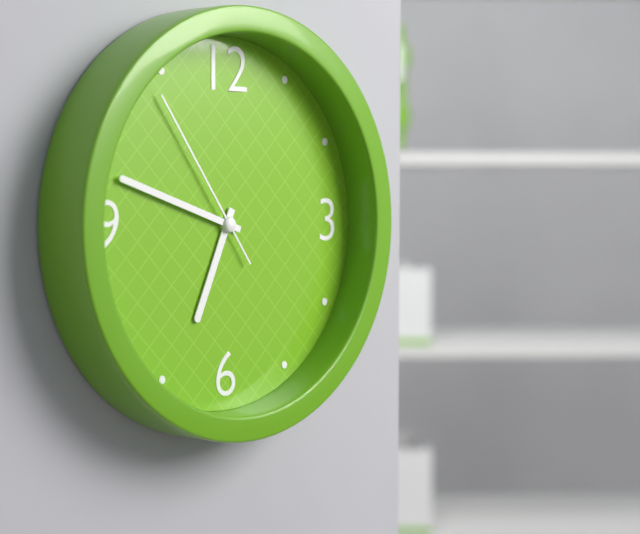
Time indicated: 6:48:54
